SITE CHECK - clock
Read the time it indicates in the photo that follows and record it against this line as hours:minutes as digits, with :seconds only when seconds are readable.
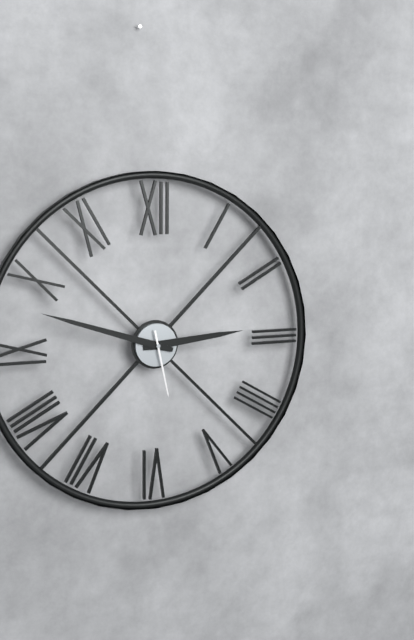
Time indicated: 2:48:28
